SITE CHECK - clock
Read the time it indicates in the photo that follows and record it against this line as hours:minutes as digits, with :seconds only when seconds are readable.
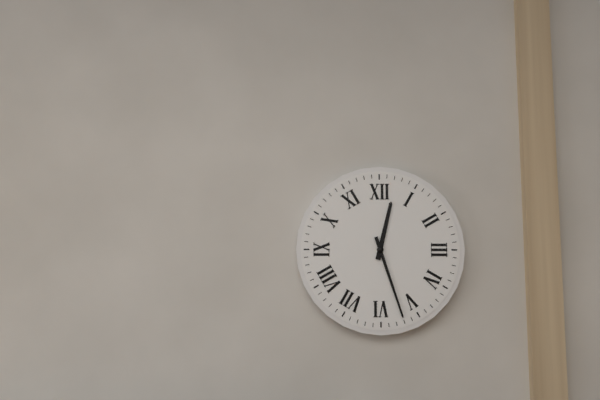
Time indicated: 12:27
